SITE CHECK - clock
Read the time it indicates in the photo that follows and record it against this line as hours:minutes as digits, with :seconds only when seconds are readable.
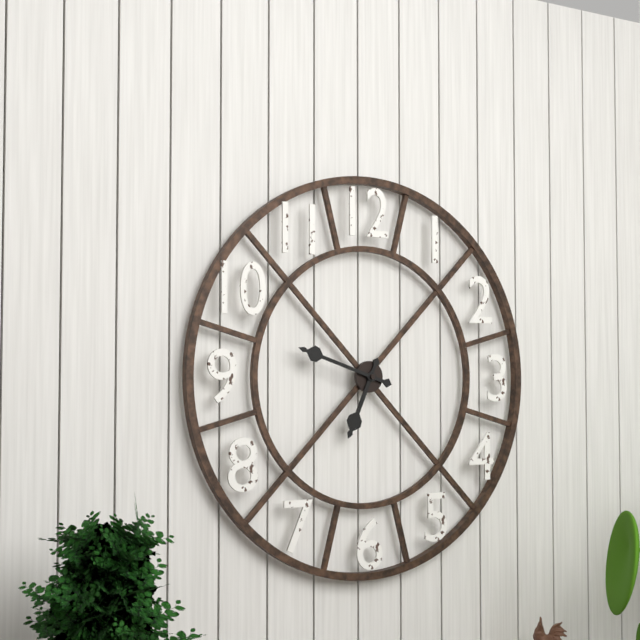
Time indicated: 6:48
